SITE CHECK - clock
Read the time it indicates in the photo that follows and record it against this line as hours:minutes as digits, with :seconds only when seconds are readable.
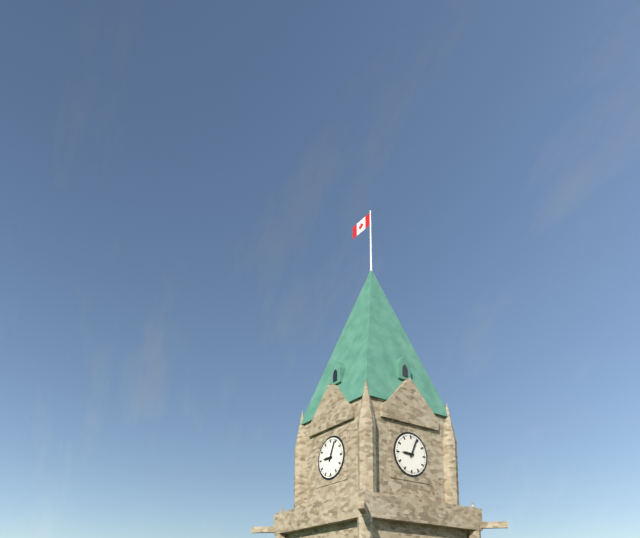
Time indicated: 9:04
